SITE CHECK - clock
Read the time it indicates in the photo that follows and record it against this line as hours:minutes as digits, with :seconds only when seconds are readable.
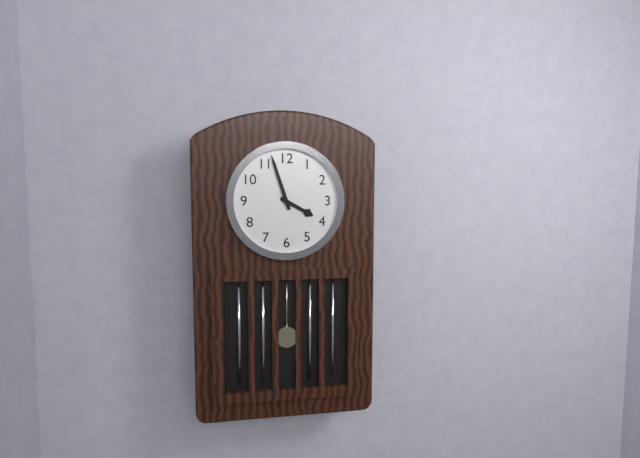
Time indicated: 3:57
